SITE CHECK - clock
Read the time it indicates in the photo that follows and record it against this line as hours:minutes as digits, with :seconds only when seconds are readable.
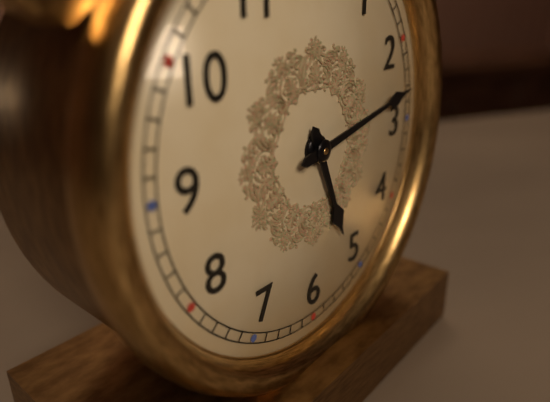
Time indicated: 5:13
